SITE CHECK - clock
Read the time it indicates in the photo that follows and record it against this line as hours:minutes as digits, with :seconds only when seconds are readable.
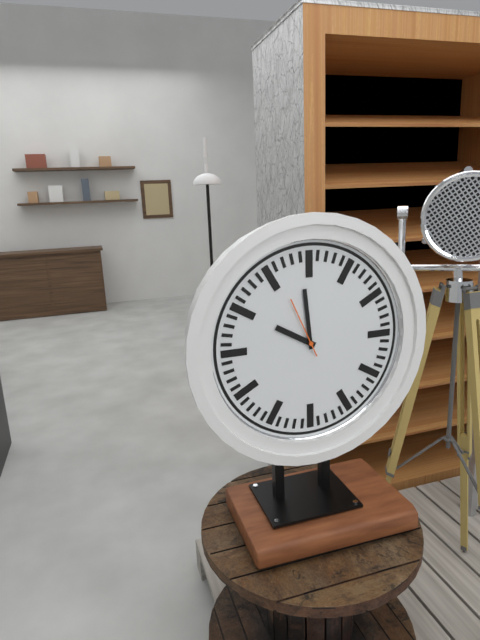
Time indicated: 9:59:56
